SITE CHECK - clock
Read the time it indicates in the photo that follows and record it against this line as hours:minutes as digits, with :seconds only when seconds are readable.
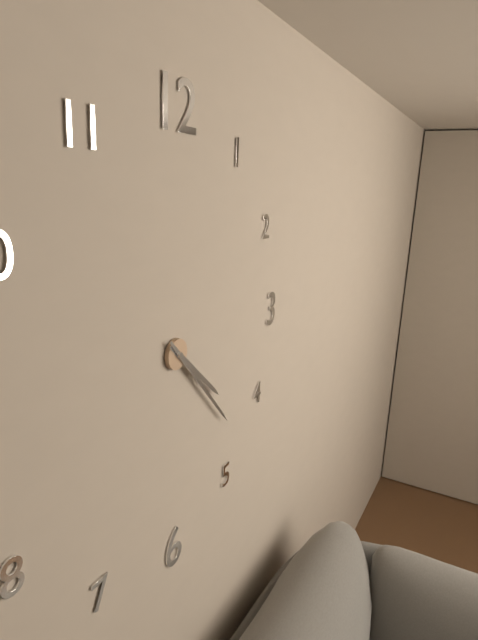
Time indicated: 4:23
